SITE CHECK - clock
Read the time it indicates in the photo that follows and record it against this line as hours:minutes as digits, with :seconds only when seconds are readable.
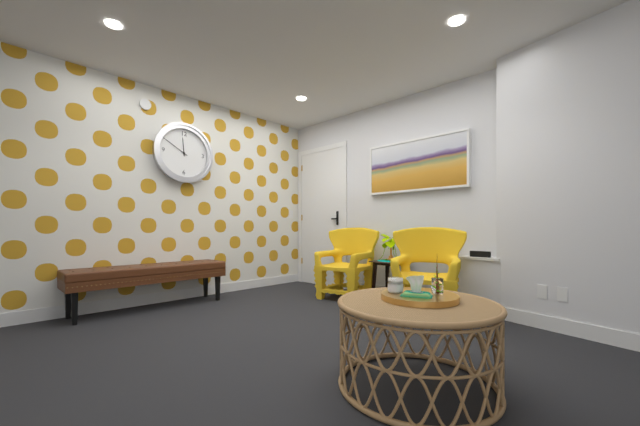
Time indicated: 11:50
